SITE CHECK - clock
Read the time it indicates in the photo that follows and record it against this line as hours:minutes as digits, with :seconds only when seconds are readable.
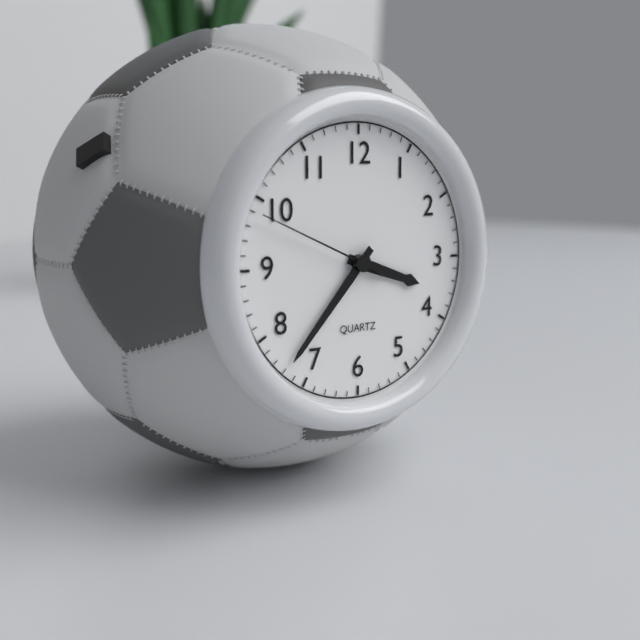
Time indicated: 3:37:49
